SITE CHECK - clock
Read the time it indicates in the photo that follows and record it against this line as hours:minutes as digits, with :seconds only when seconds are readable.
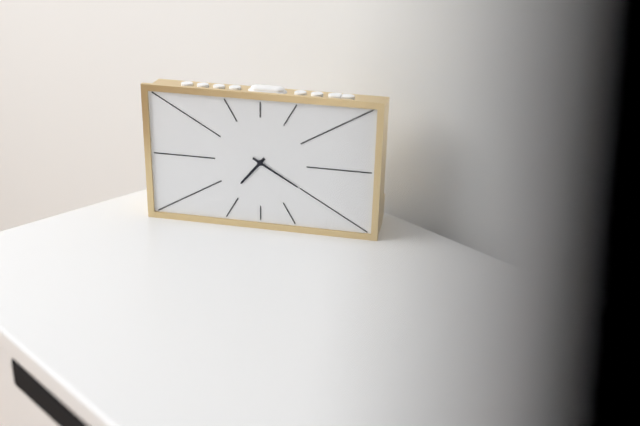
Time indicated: 7:20
